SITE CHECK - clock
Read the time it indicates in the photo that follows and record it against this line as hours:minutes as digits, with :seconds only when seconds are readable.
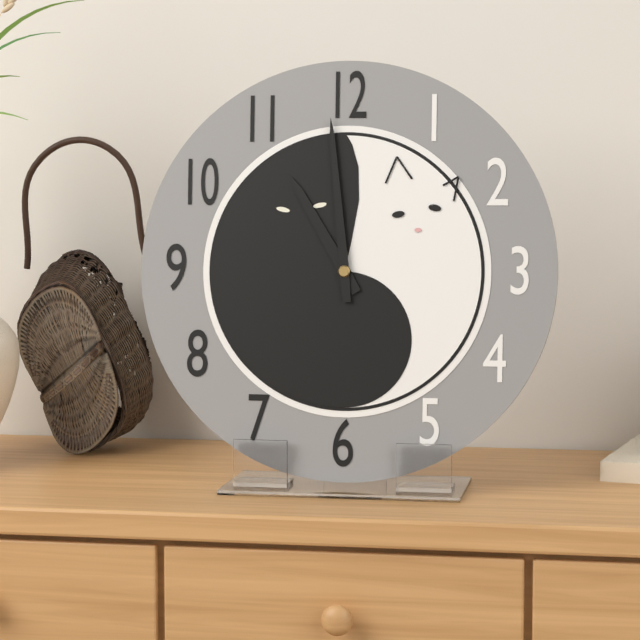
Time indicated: 10:59
